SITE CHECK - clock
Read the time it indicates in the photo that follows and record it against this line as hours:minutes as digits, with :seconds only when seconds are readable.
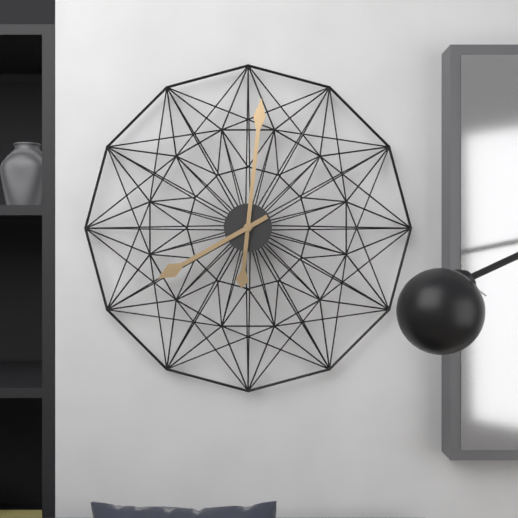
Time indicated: 8:01
